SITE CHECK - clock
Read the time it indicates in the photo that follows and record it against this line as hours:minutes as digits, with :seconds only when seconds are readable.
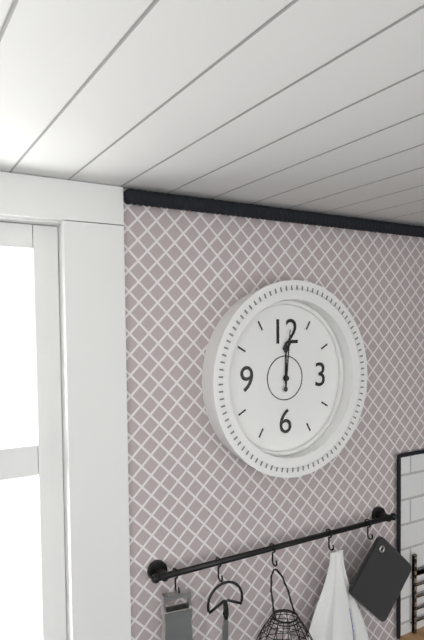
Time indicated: 12:01
